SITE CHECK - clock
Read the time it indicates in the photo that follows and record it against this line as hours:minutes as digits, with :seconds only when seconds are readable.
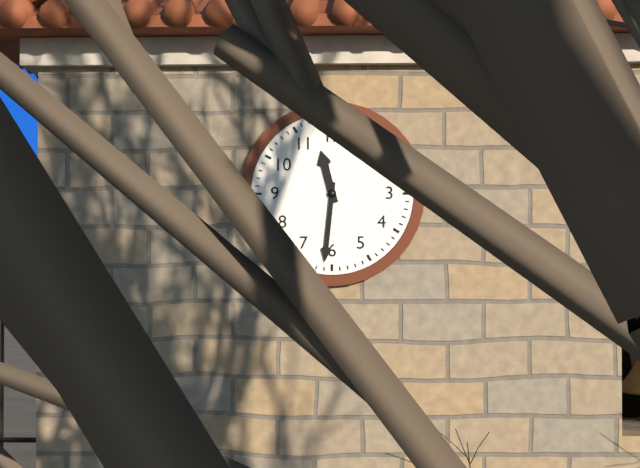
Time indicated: 11:31
